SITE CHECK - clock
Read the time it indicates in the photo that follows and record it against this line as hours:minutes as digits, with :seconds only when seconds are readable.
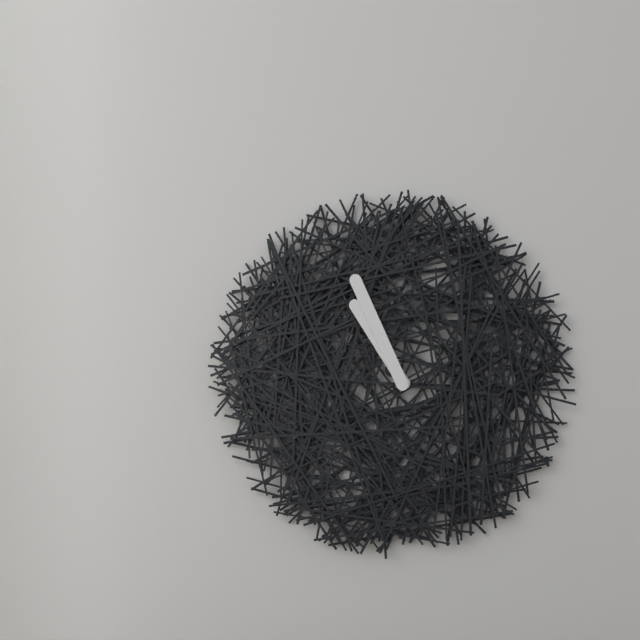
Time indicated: 10:56
